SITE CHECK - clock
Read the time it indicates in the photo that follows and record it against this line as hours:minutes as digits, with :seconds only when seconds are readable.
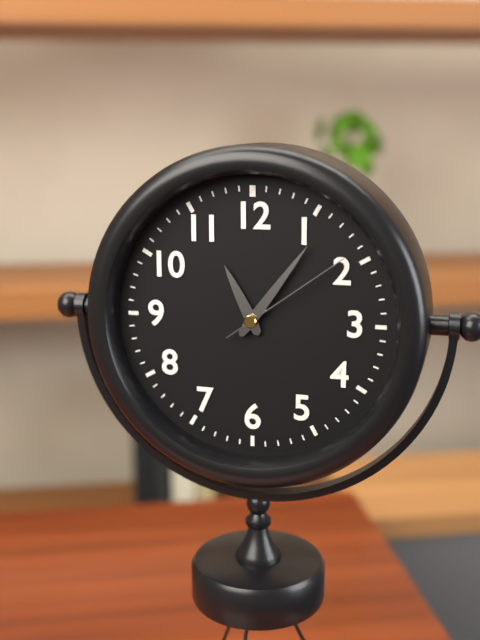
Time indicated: 11:06:09
